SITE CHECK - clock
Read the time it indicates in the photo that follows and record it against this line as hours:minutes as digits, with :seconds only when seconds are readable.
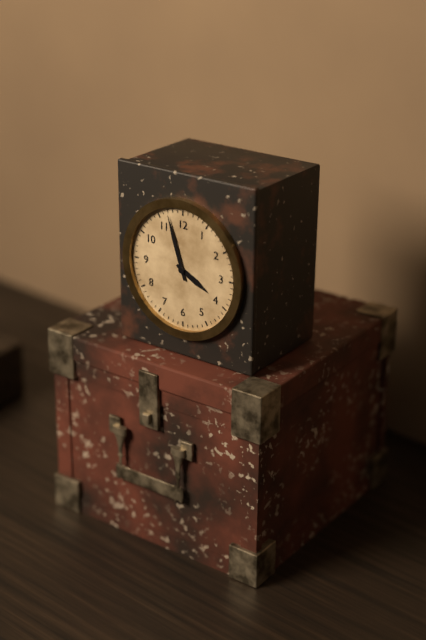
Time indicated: 3:57
